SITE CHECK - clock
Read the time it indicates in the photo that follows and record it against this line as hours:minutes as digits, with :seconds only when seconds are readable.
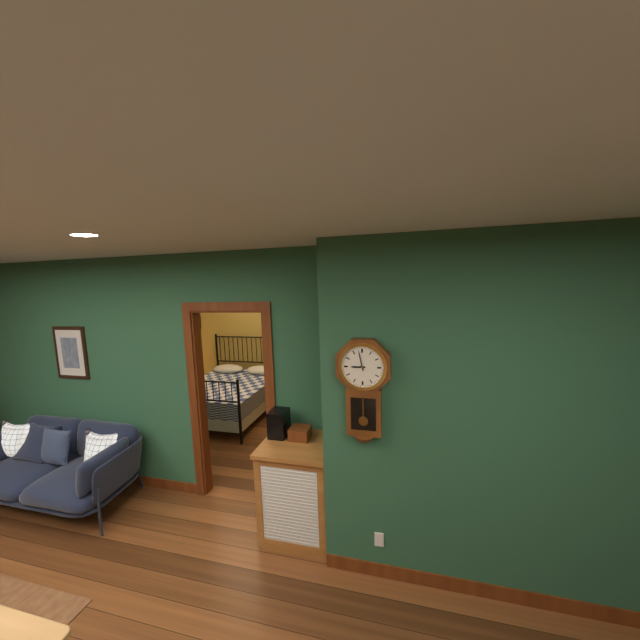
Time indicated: 8:58
